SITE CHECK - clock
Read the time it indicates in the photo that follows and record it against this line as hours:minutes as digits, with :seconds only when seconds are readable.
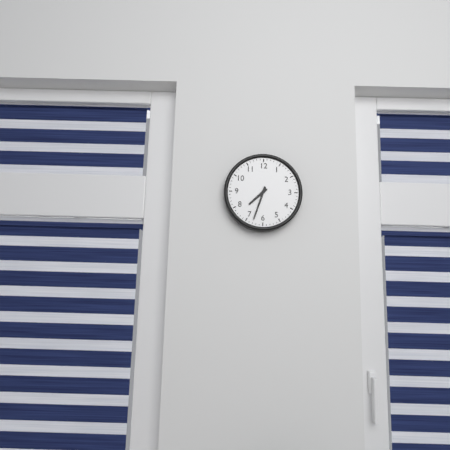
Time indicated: 7:33
